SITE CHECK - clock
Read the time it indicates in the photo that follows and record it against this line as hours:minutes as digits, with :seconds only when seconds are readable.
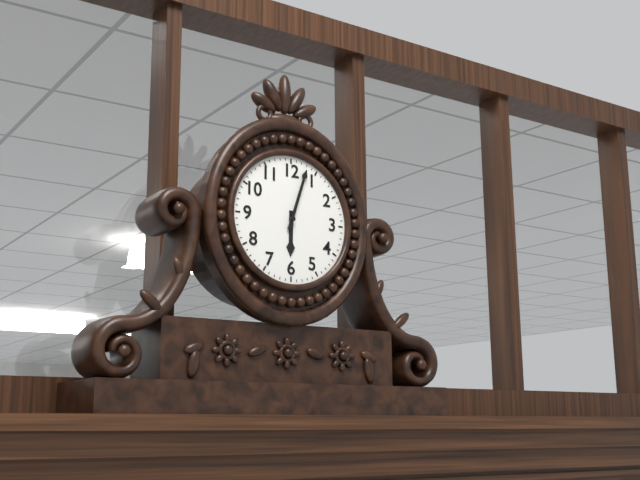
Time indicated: 6:03
